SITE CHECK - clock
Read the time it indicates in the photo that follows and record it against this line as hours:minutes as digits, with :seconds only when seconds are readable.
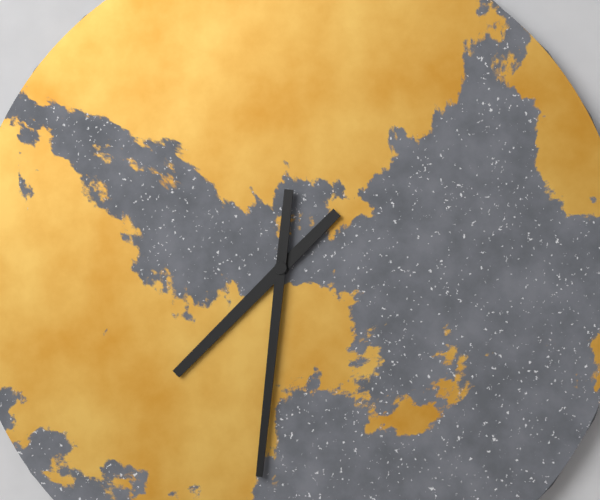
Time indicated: 7:31
